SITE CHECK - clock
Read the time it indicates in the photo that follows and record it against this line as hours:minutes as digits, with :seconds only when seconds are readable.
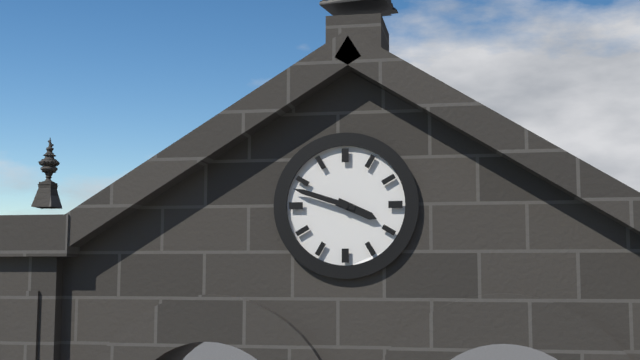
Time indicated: 3:48
